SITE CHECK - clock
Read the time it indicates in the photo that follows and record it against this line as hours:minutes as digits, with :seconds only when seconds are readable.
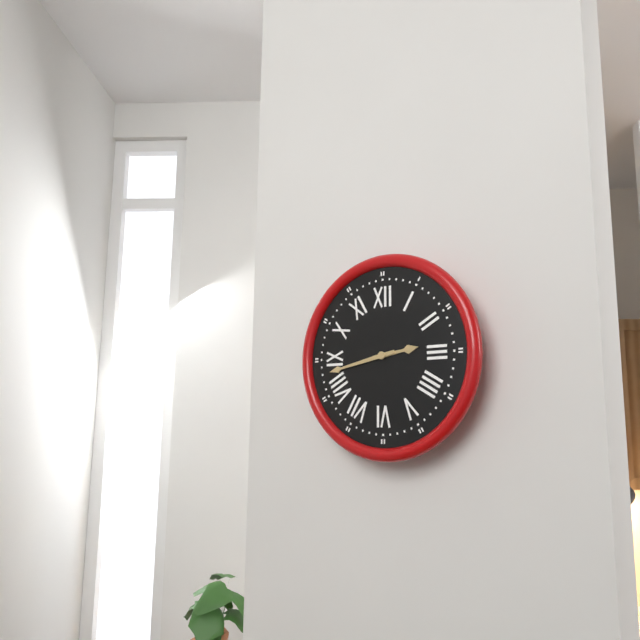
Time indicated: 2:43
